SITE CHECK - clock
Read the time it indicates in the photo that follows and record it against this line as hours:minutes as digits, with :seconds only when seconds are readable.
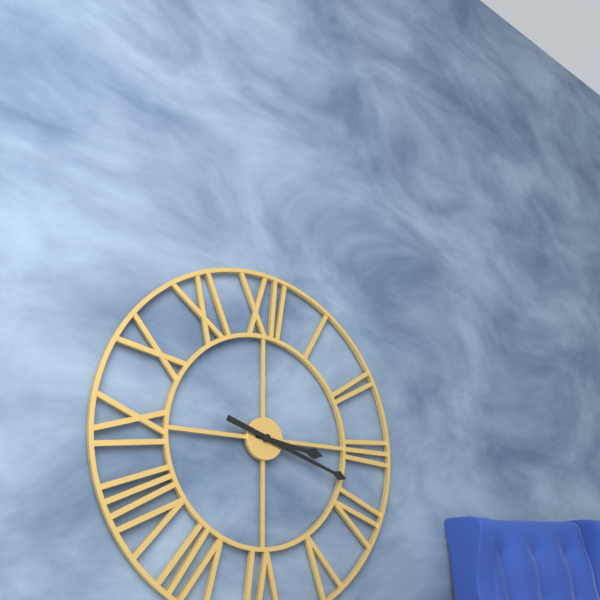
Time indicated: 3:18
